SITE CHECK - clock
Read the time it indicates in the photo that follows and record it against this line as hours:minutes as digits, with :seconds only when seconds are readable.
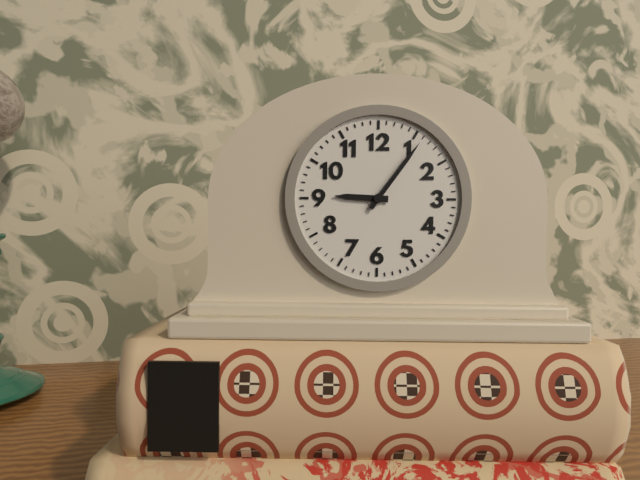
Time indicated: 9:06
